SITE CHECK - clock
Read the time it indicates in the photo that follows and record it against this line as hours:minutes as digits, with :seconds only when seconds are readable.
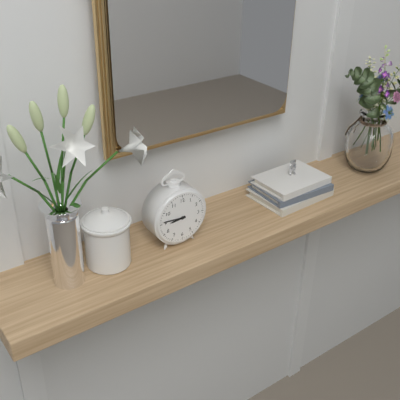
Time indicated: 8:46
